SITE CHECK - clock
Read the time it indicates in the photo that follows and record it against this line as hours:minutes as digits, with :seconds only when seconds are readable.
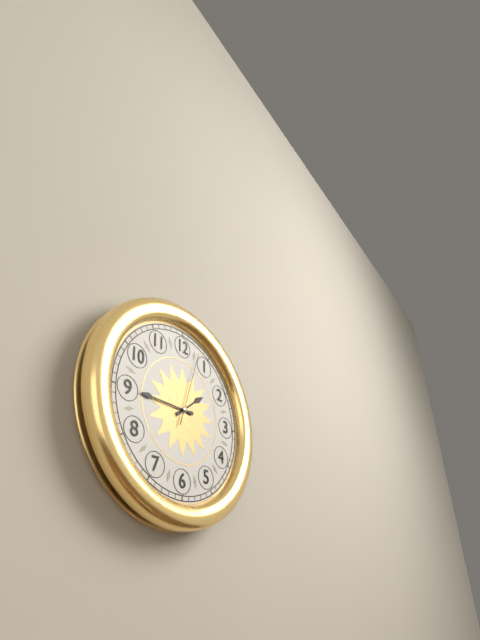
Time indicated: 1:45:03
